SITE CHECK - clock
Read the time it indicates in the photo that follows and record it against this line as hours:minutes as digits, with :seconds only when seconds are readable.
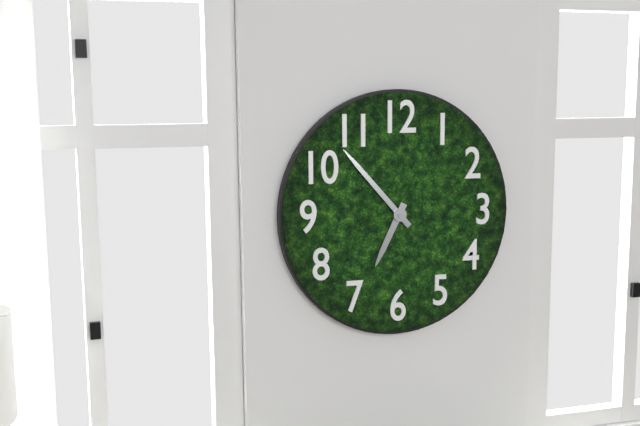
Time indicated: 6:53
